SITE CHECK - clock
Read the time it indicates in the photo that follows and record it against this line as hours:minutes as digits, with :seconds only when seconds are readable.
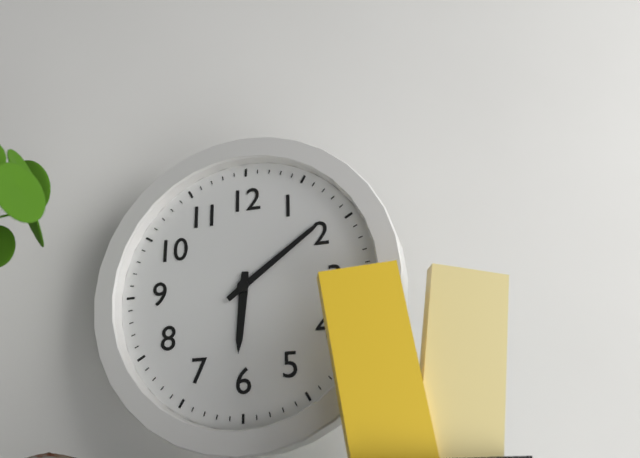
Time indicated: 6:09
